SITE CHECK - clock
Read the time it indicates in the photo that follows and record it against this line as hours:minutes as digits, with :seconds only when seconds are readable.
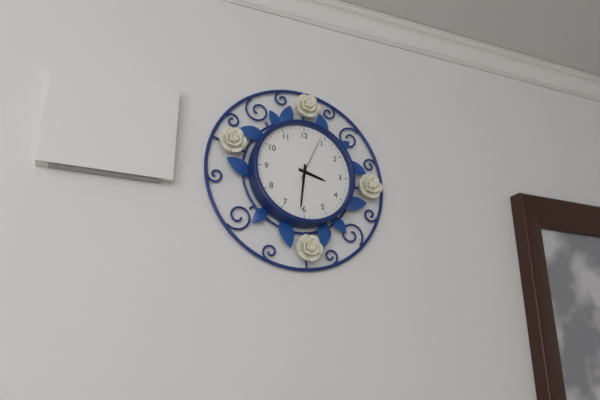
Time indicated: 3:31
